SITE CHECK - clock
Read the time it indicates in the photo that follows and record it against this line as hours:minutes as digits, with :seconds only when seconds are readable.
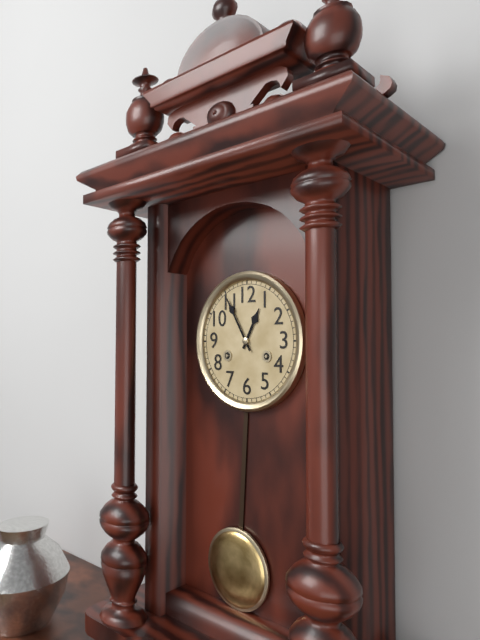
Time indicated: 12:55
